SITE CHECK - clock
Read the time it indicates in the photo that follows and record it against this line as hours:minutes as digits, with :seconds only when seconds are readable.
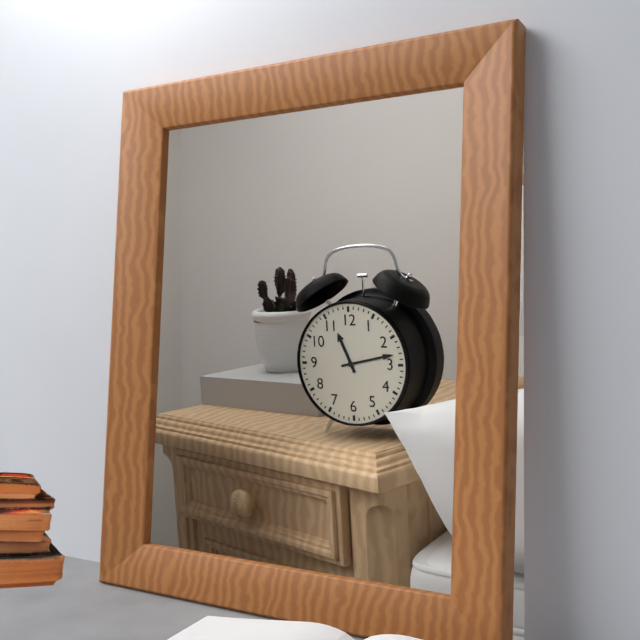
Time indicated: 11:13
